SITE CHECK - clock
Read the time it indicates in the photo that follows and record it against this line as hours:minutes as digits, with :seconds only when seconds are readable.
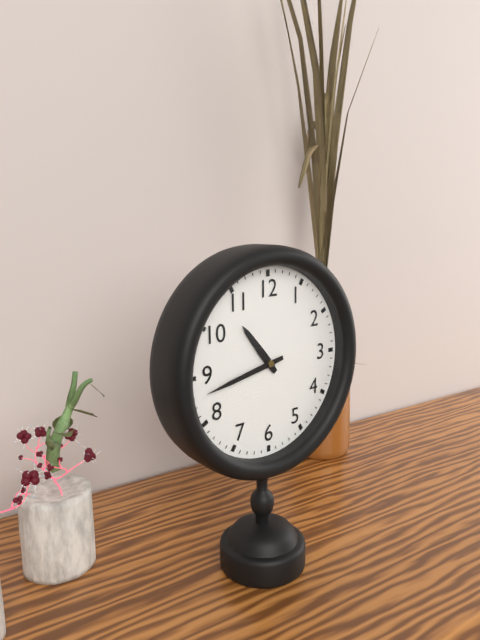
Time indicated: 10:43
